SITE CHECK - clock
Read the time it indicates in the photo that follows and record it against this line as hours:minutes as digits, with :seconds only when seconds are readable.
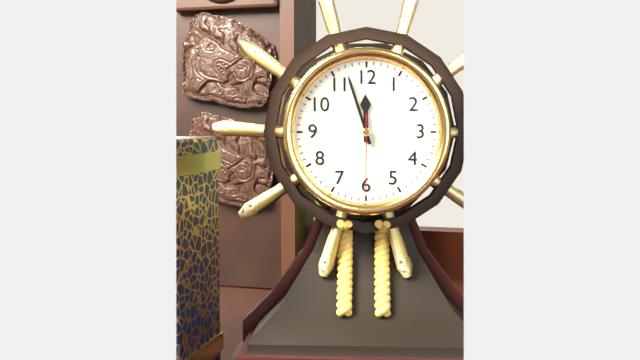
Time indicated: 11:57:30
